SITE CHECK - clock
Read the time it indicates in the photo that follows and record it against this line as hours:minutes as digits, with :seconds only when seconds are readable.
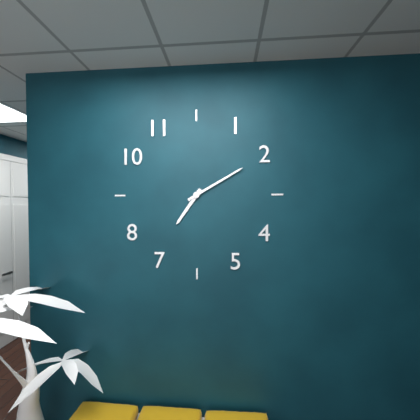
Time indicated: 7:10
